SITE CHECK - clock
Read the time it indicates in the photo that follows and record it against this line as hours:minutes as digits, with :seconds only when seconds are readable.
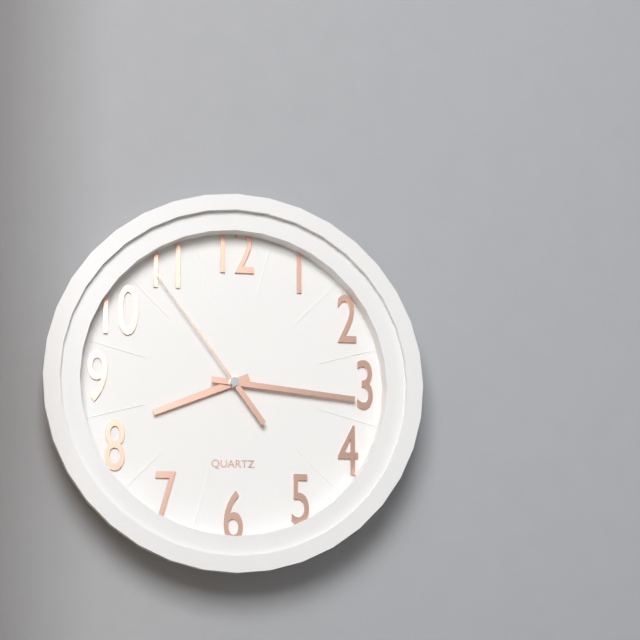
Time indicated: 8:16:54
